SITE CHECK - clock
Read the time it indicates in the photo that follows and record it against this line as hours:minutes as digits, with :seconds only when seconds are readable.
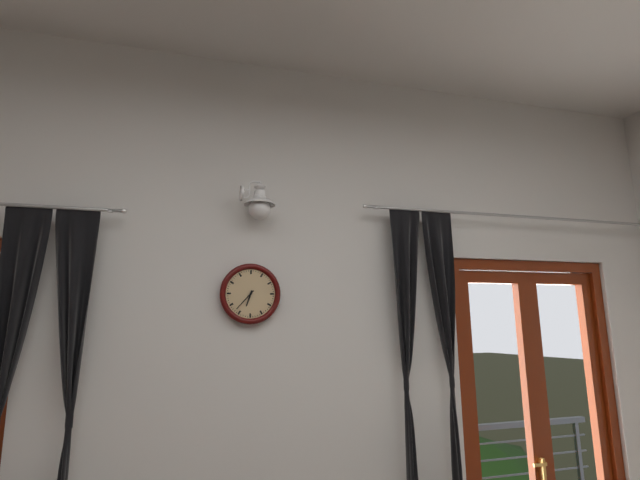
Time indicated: 6:37
